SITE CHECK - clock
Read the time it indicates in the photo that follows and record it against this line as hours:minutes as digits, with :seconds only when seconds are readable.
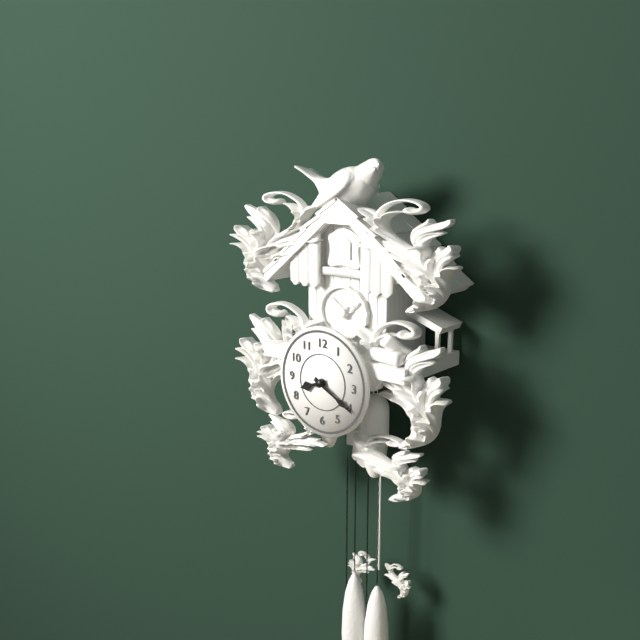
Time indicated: 8:20
